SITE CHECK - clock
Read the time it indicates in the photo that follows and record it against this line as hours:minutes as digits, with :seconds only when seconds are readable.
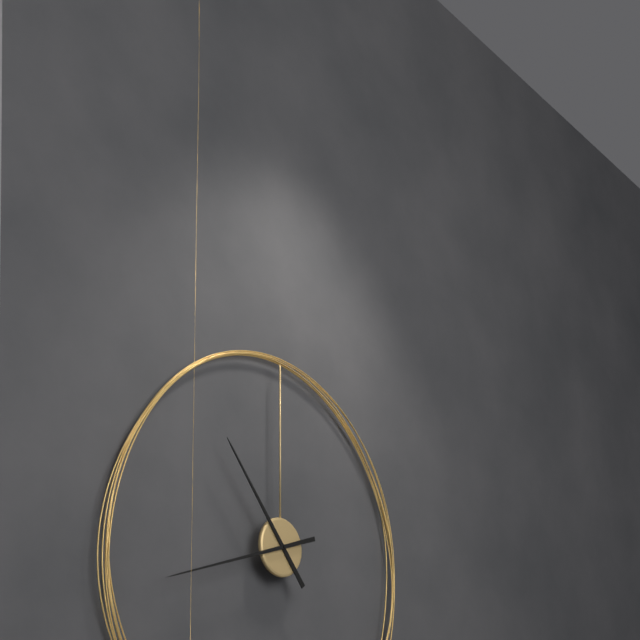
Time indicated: 10:42
